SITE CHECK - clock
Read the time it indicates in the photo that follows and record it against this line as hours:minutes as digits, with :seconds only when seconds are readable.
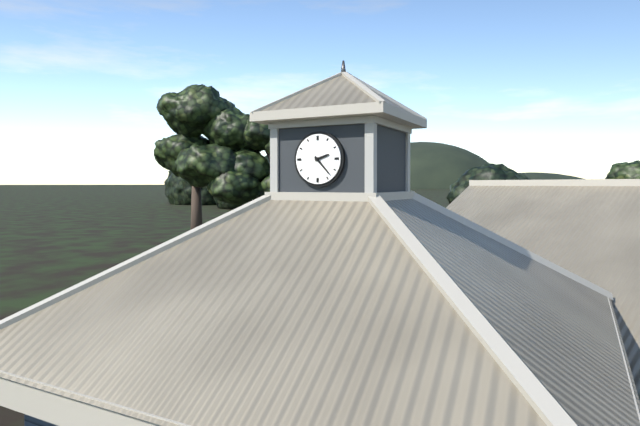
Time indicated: 2:23
